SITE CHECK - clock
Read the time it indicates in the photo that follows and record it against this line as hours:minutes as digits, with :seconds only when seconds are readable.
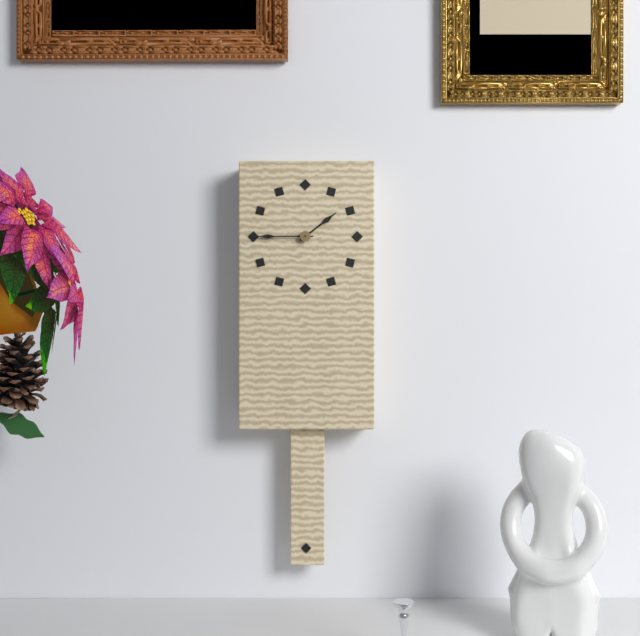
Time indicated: 1:45
